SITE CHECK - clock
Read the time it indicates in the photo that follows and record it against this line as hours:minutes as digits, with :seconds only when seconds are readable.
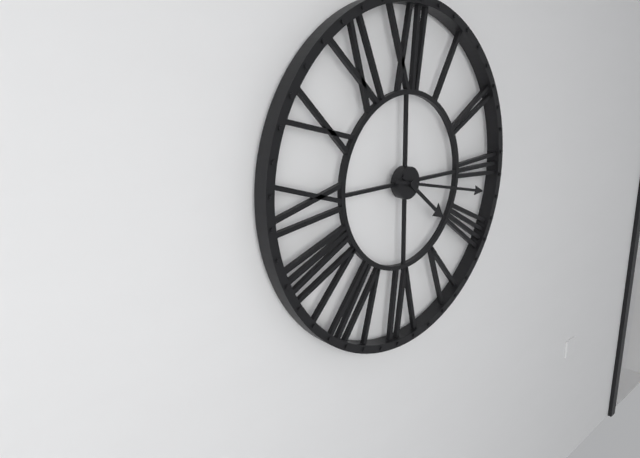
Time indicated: 4:17
